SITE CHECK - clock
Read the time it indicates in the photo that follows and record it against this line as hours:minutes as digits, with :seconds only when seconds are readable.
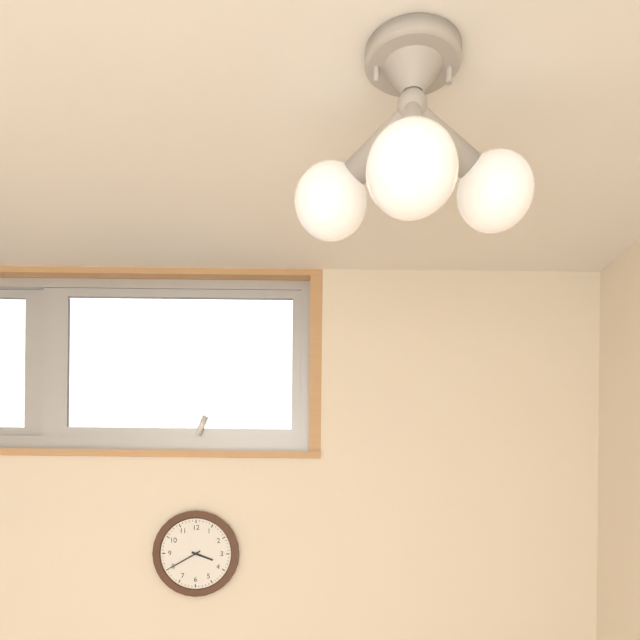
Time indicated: 3:40
